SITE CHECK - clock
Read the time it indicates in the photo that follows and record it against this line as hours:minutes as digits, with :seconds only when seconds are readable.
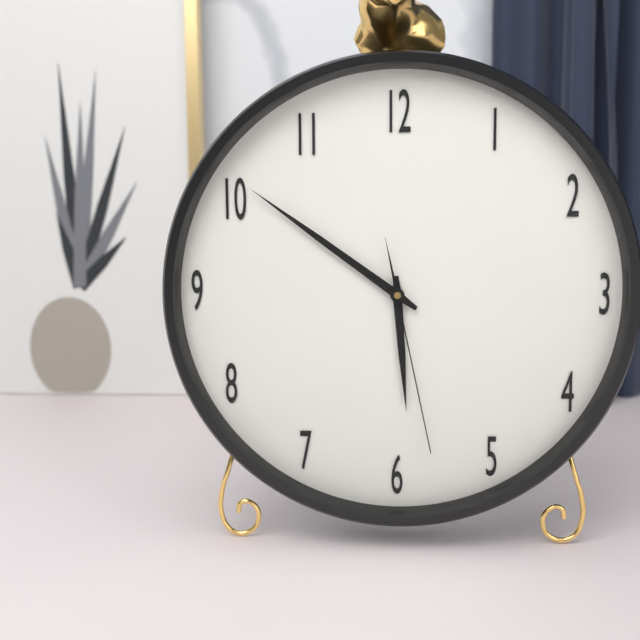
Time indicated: 5:51:28
